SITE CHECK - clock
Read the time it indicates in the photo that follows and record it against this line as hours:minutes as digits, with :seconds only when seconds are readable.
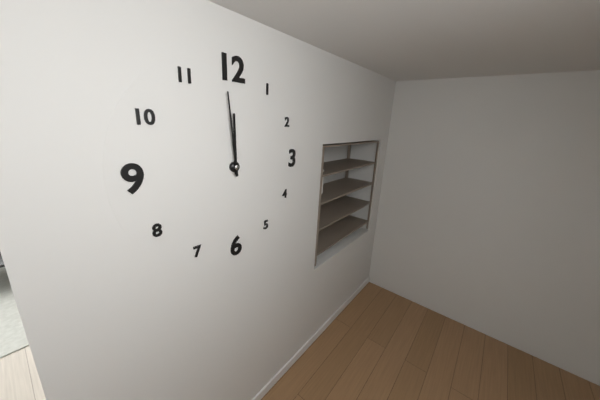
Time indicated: 11:59
